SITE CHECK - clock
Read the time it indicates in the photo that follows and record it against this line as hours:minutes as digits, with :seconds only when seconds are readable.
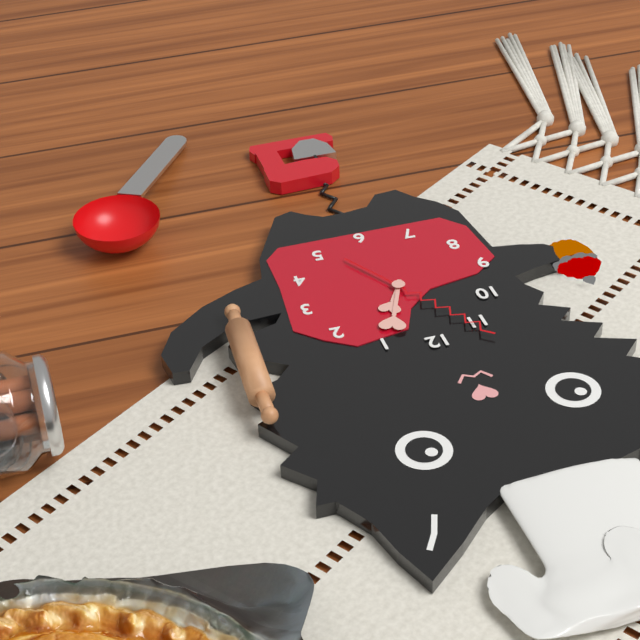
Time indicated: 1:04:55
